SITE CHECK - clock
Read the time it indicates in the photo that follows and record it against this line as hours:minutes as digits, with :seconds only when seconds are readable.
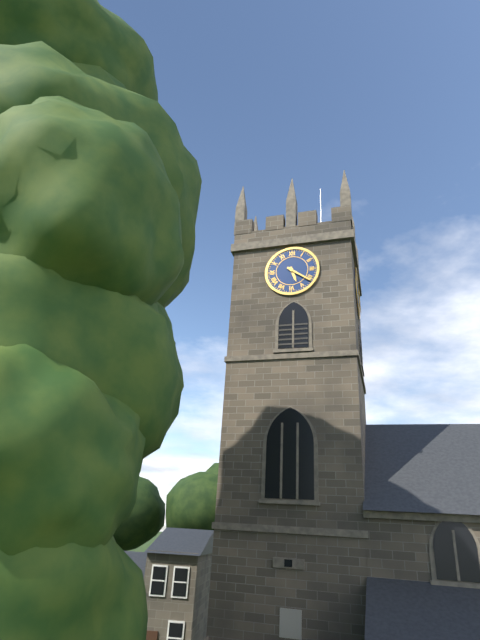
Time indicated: 5:21
